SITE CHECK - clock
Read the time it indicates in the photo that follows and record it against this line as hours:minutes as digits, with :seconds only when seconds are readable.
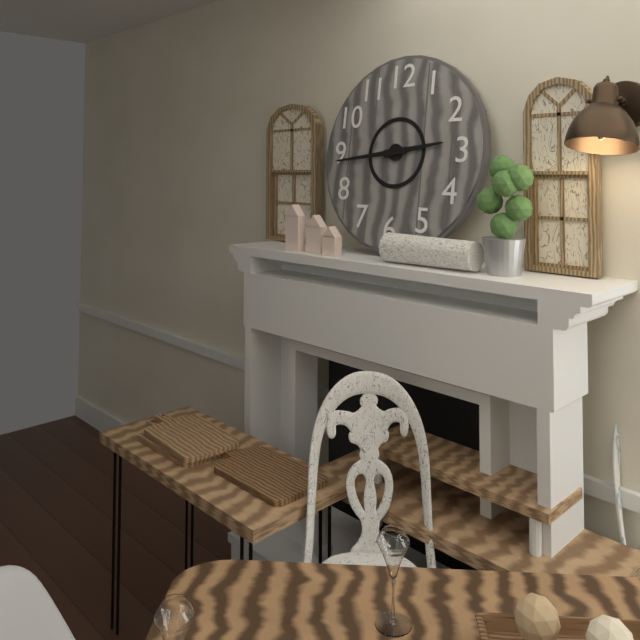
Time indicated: 2:44
